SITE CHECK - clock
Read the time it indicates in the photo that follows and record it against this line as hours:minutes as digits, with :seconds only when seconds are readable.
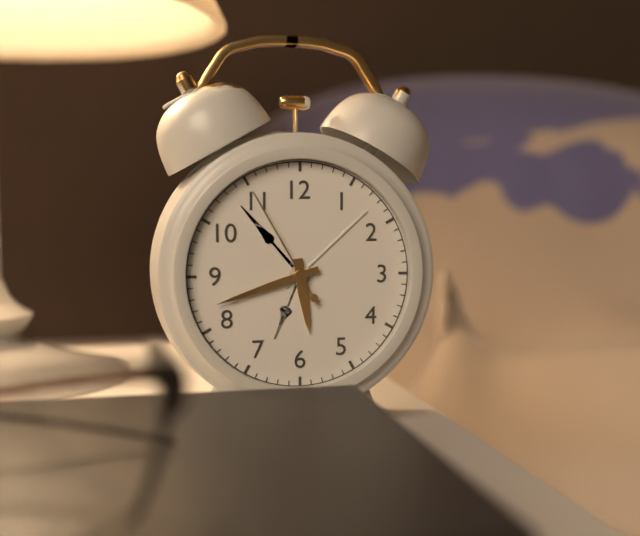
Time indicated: 5:42:55
